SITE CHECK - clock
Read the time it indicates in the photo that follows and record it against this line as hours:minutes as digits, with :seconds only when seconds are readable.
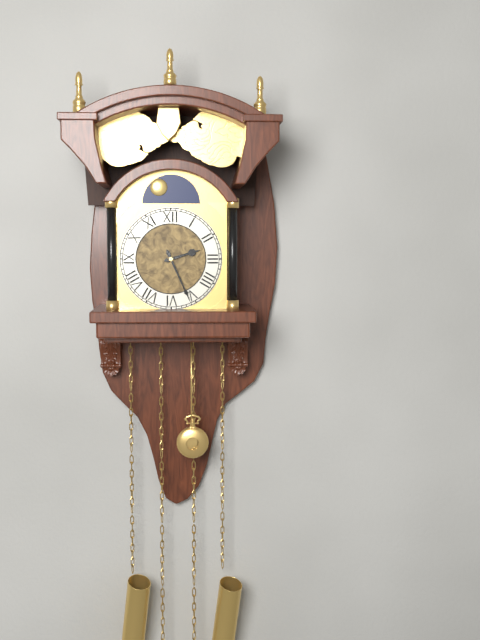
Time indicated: 2:26
